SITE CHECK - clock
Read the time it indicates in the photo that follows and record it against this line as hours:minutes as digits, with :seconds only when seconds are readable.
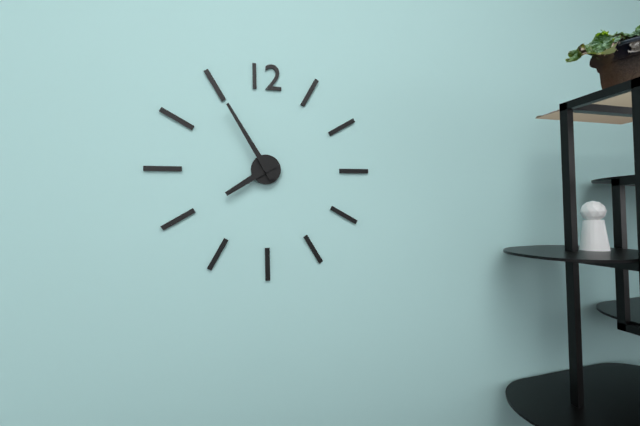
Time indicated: 7:55
